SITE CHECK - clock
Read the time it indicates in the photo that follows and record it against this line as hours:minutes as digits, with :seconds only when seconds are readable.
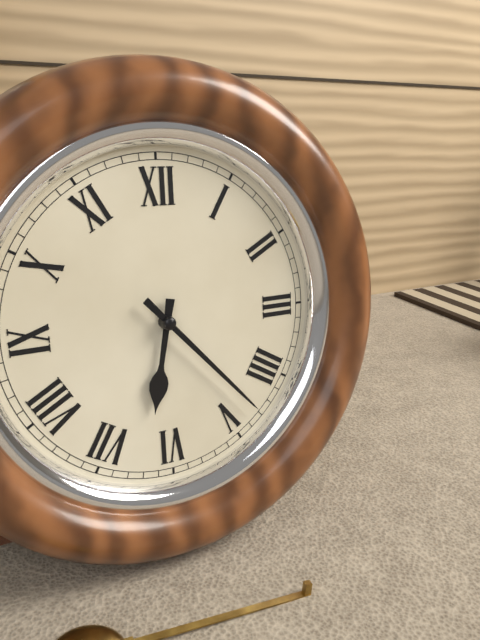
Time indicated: 6:23
